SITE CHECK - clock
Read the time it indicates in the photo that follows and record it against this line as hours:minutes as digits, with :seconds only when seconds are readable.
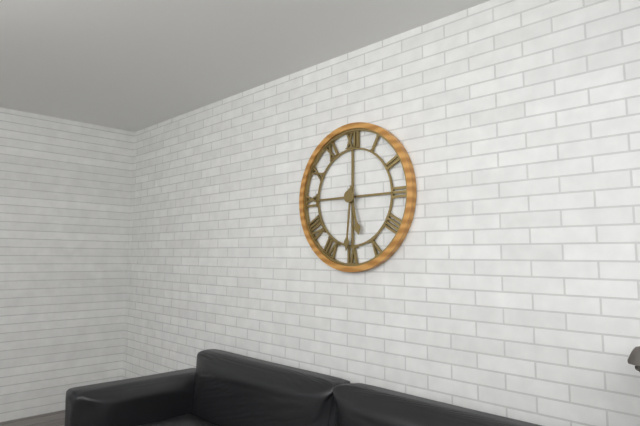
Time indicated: 5:31
